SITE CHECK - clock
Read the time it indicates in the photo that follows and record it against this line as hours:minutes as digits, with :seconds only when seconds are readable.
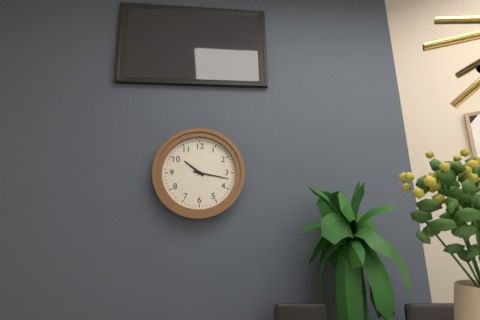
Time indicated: 10:17
